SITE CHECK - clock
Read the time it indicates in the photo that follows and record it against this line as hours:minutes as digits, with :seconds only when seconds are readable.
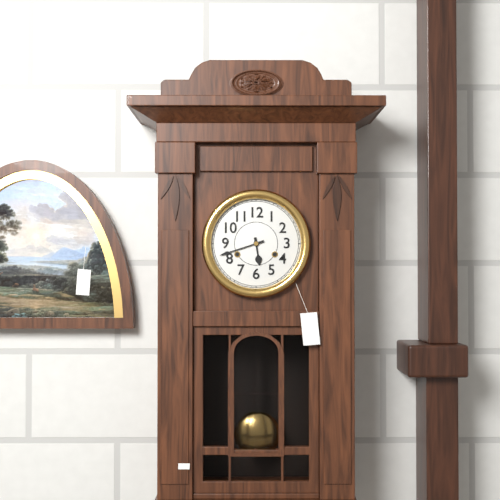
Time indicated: 5:42
